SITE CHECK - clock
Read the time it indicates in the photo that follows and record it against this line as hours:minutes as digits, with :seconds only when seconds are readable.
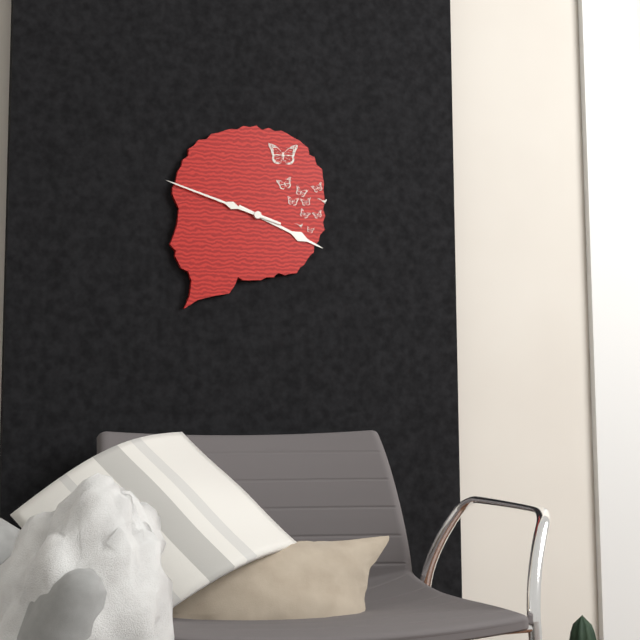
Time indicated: 3:48
